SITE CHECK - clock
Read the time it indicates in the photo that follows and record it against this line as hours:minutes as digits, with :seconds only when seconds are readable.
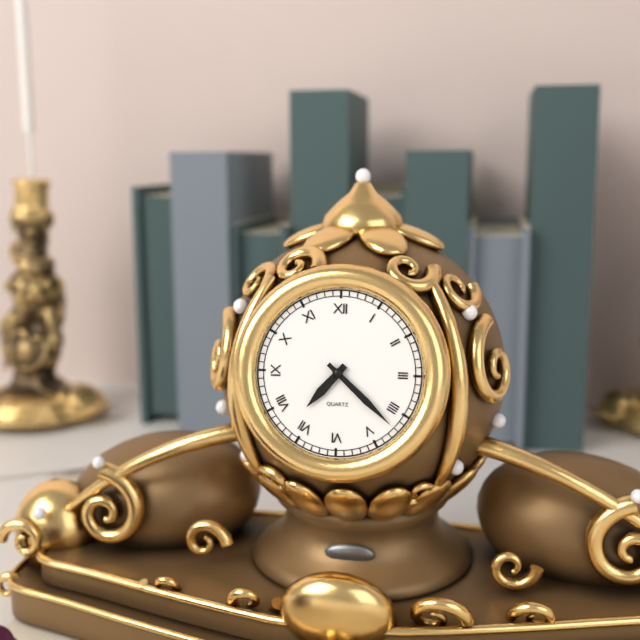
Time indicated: 7:22
